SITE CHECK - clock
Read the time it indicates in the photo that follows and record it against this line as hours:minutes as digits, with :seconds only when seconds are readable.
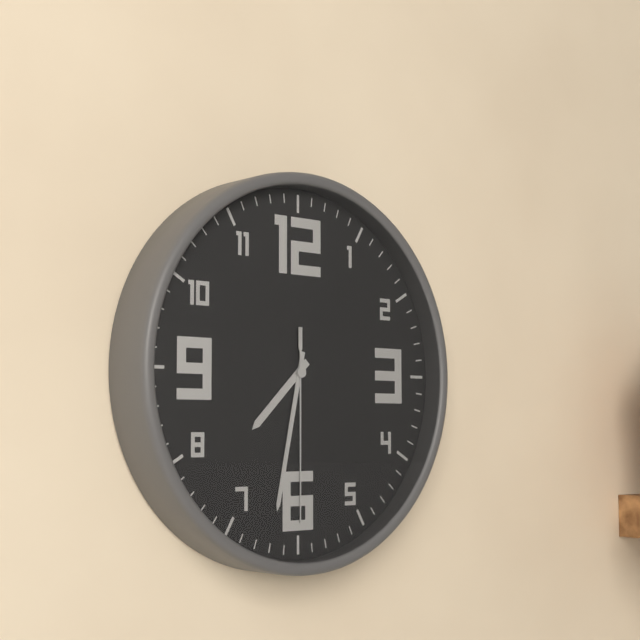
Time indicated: 7:32:30
